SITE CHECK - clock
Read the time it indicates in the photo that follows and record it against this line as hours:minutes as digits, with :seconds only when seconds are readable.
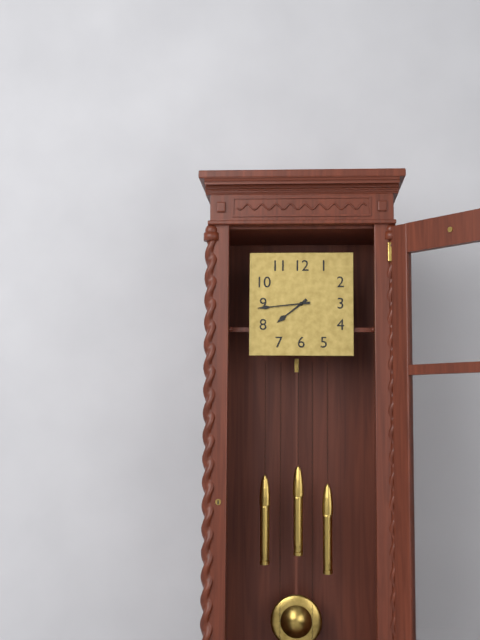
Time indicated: 7:44
